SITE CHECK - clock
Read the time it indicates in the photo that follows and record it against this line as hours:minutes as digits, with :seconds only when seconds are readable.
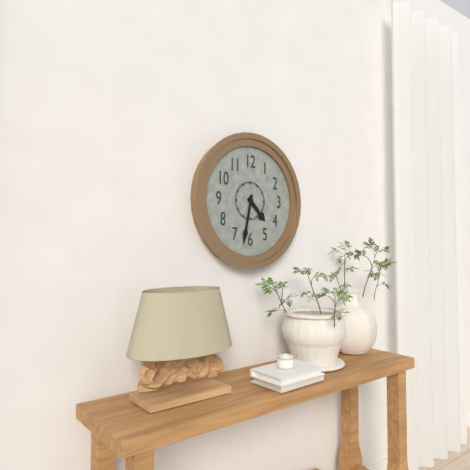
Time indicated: 4:32
